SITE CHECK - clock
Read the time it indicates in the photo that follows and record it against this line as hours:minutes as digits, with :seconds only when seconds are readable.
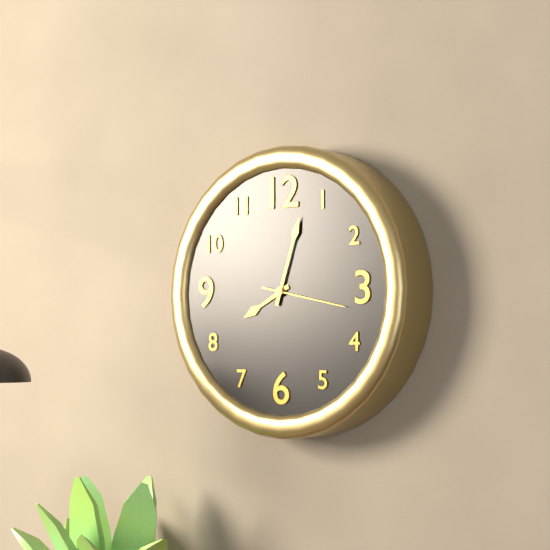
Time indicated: 8:03:17
